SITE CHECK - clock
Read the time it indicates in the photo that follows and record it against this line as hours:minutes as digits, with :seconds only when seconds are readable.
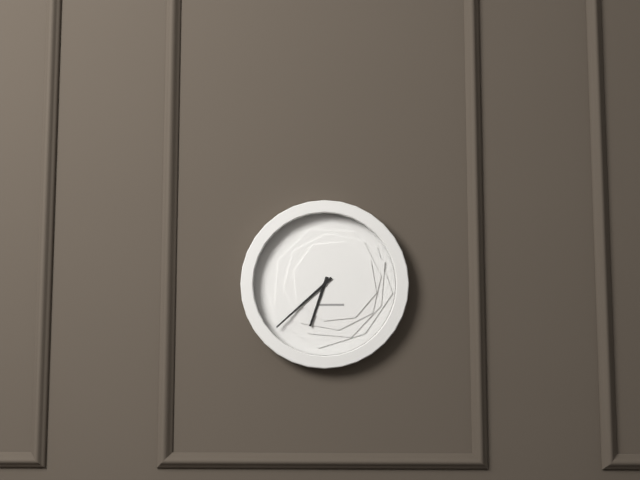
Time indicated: 6:38
